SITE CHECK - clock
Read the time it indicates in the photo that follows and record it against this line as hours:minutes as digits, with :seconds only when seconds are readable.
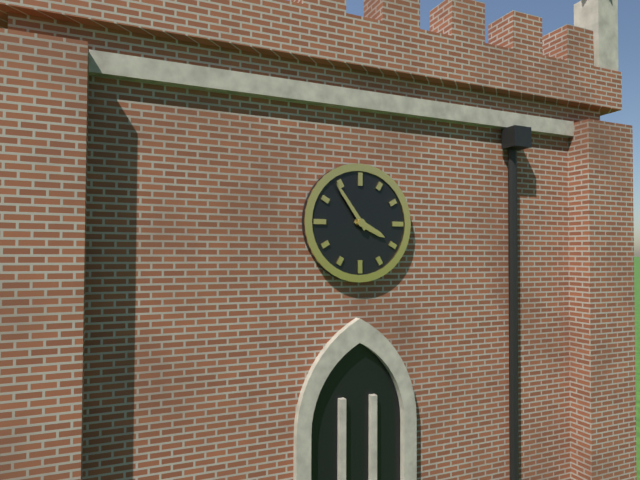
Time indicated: 3:54
